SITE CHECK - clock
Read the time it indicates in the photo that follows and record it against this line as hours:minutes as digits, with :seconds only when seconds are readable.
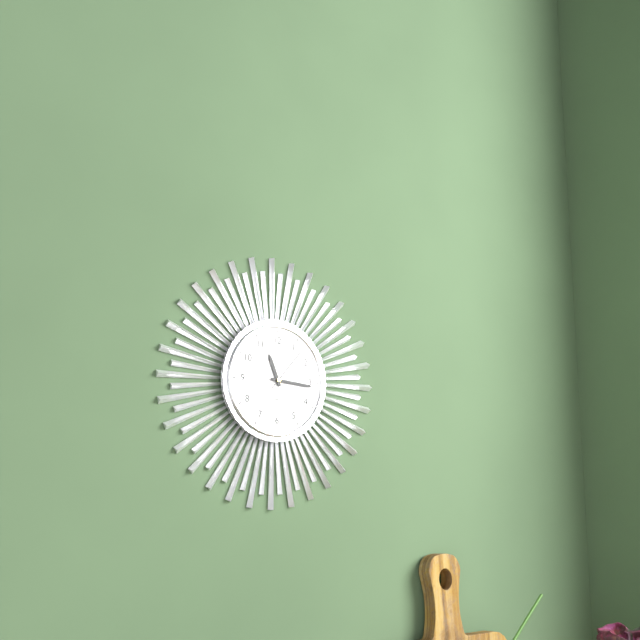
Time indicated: 11:16:07
